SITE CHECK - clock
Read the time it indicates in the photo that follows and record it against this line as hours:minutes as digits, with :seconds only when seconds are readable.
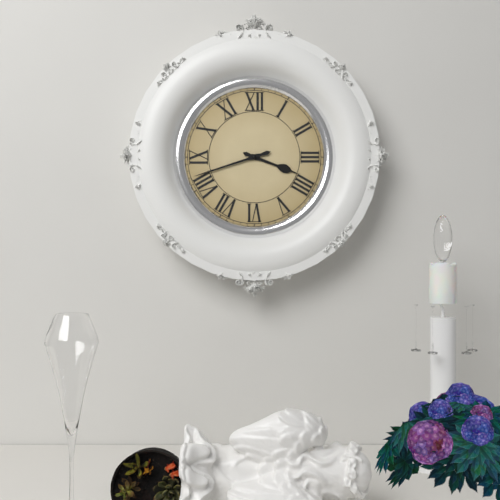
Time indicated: 3:42
